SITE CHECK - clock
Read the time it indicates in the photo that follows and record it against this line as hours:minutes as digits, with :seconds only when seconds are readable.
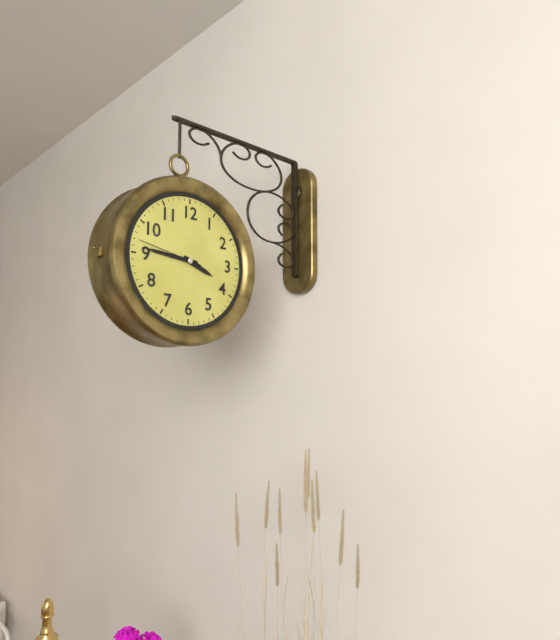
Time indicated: 3:46:47
